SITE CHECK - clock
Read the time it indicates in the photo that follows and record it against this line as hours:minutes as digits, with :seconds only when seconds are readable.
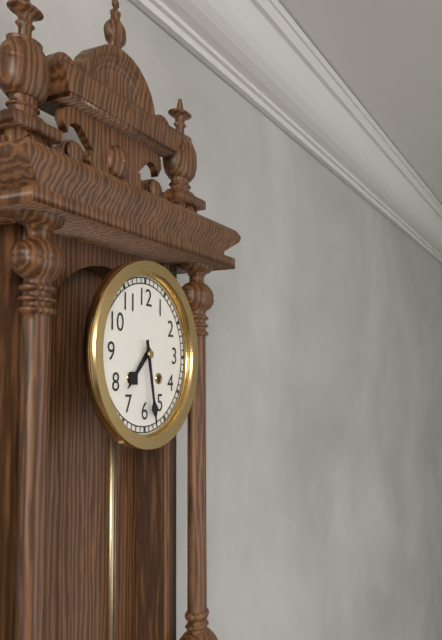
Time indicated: 7:28
